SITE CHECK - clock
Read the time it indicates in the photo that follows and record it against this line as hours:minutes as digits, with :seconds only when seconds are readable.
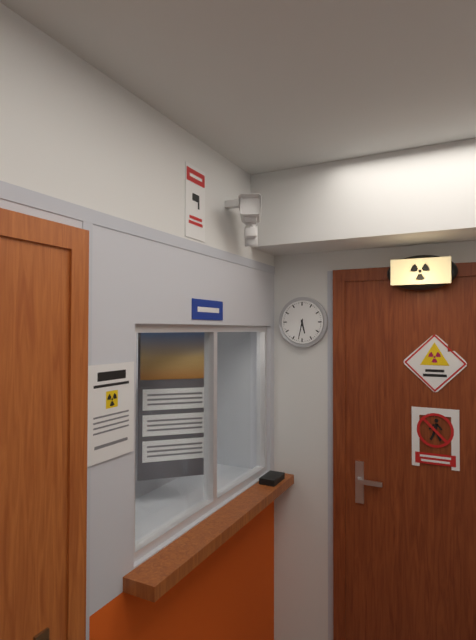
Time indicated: 5:32
